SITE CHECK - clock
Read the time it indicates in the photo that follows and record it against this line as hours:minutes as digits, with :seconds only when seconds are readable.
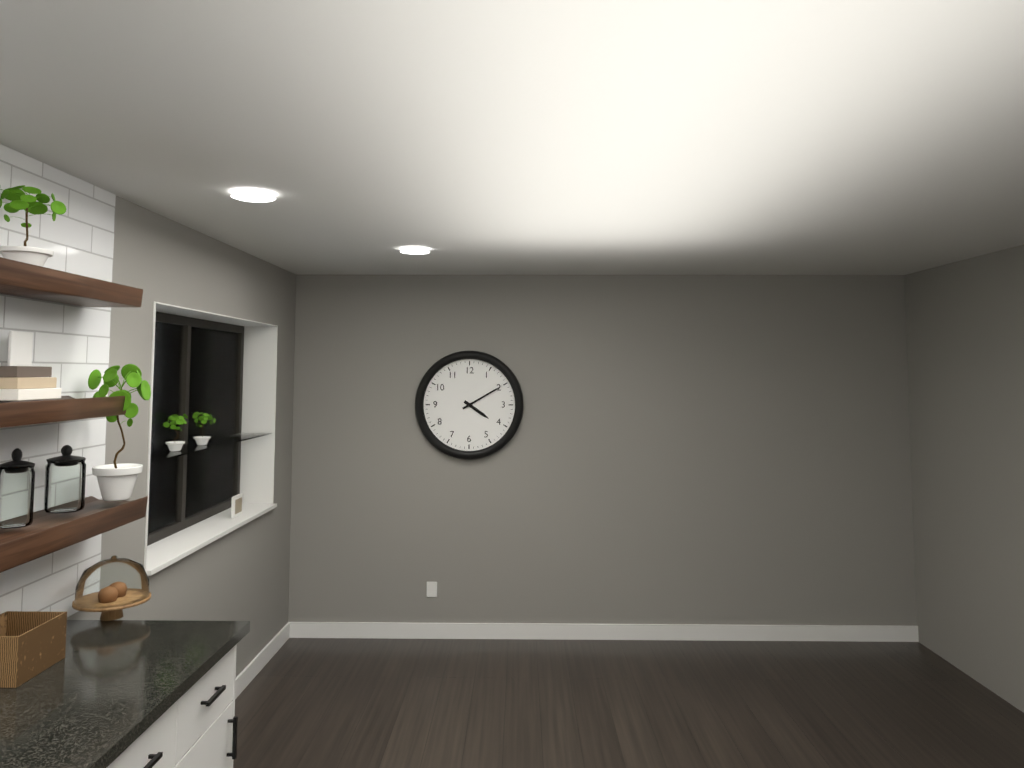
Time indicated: 4:10
